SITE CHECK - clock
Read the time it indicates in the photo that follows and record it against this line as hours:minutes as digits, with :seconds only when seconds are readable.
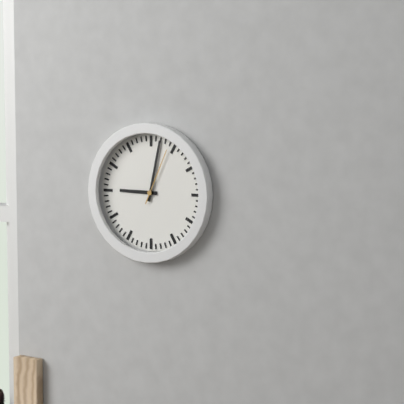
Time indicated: 9:02:04
